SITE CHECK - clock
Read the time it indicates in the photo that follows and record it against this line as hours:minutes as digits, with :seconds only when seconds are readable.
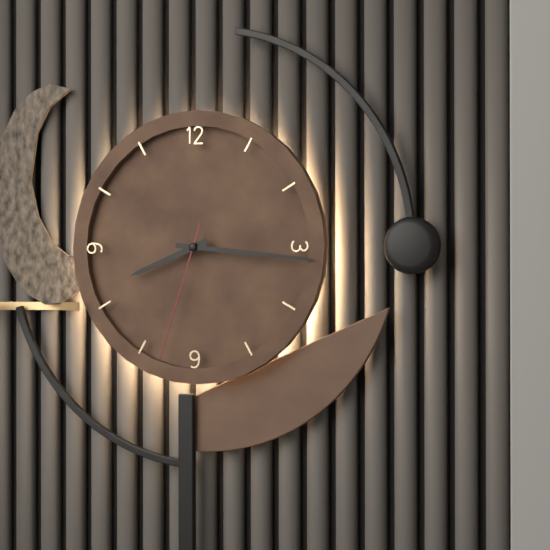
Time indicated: 8:16:33
